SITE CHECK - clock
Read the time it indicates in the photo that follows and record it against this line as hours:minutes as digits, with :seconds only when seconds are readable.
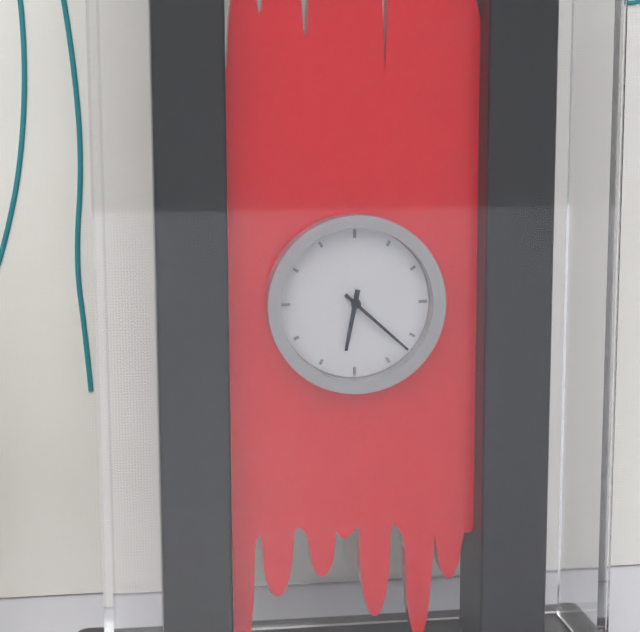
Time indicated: 6:22
